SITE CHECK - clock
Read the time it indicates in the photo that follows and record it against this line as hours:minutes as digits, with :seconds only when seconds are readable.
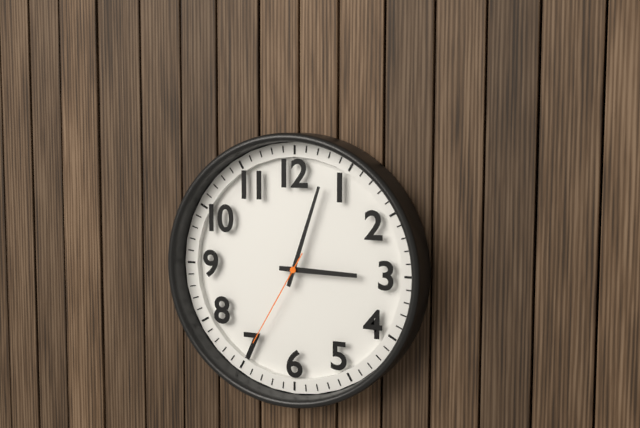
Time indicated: 3:03:35
